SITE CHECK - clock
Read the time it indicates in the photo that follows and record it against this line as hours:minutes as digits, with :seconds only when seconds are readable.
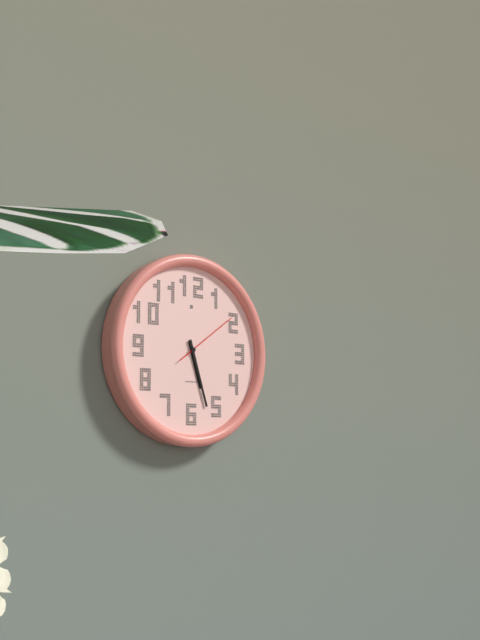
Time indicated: 5:27:09
